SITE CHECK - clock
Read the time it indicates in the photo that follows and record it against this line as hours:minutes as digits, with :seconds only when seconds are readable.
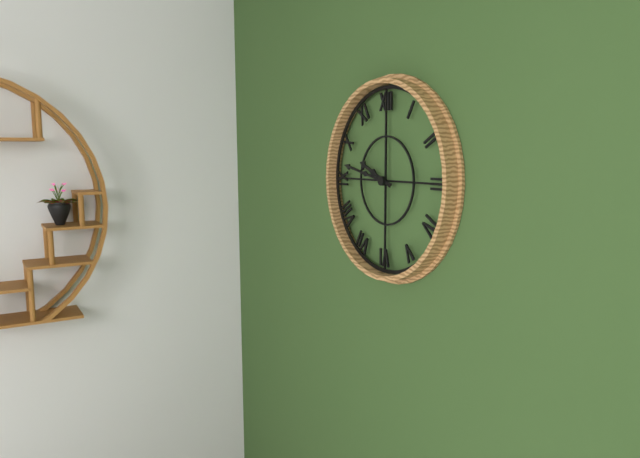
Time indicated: 9:47
